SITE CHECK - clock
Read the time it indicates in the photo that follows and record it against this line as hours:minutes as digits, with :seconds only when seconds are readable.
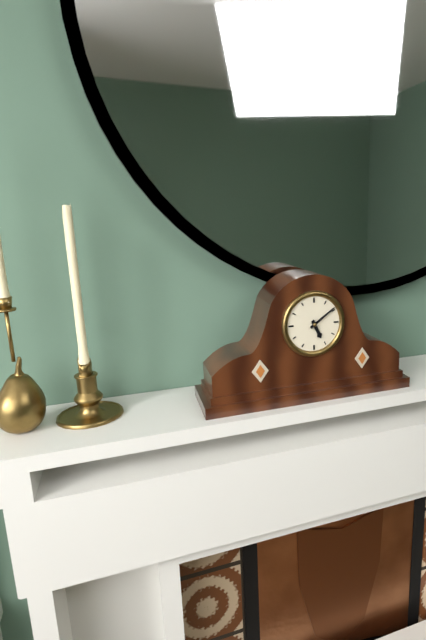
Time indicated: 5:09
